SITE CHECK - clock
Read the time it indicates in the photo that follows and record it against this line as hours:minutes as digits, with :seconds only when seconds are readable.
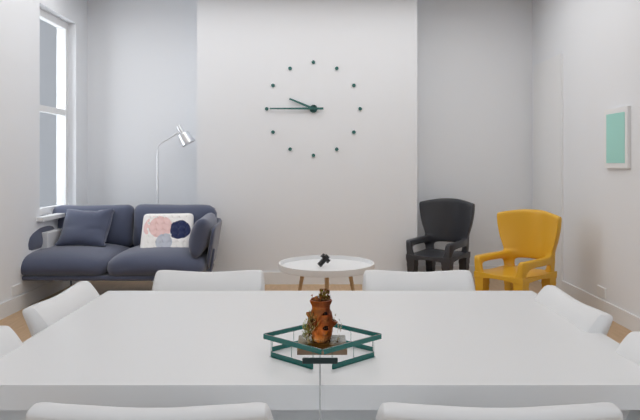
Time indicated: 9:45
